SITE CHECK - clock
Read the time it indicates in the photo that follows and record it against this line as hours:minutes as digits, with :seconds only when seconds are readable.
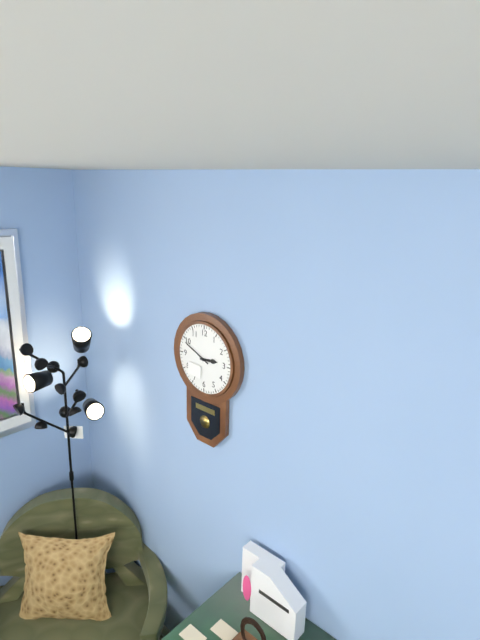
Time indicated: 2:49
